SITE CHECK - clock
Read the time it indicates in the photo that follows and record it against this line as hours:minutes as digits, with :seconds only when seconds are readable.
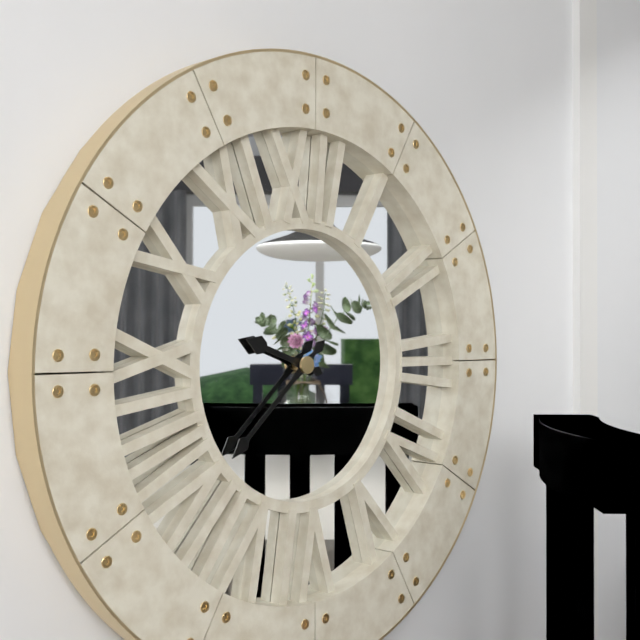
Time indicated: 9:38
